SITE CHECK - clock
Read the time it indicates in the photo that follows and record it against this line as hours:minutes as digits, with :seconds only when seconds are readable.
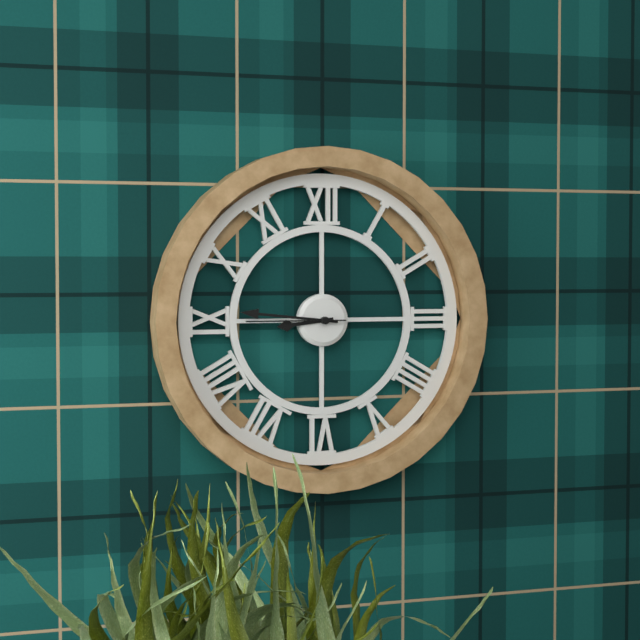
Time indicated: 8:46:45
